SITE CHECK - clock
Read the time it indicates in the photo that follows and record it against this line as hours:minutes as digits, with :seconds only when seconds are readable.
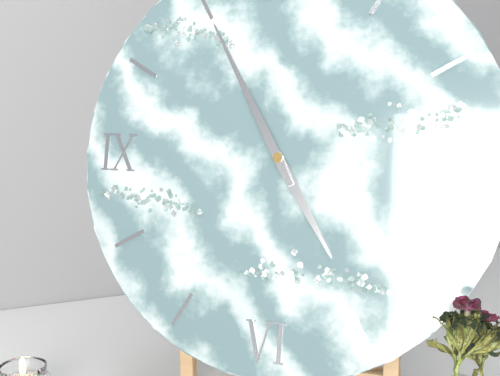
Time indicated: 4:55
